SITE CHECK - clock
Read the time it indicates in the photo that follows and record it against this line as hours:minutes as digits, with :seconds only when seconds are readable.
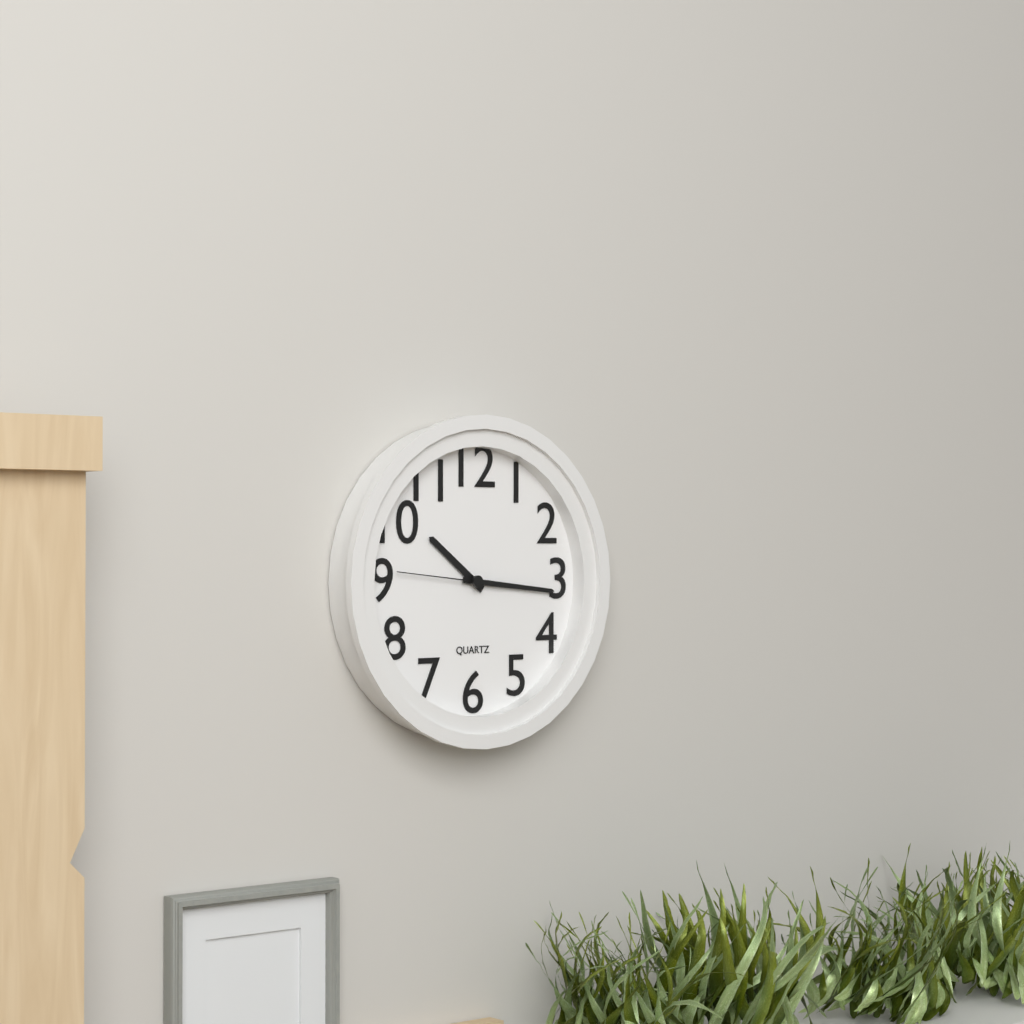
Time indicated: 10:16:46
